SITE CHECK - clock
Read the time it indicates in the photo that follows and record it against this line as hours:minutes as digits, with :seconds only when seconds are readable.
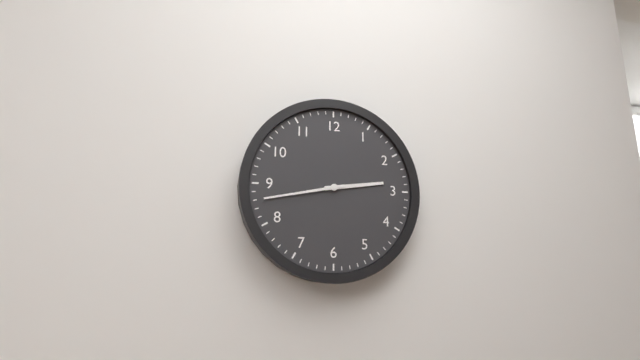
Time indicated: 2:43
